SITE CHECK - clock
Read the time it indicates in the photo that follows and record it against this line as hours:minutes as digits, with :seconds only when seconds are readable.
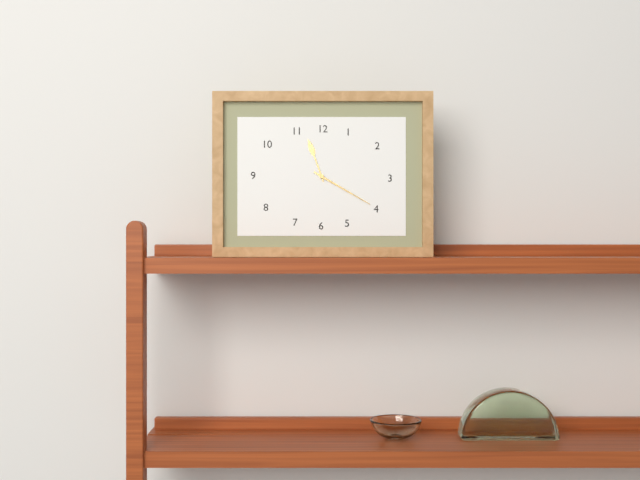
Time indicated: 11:20
